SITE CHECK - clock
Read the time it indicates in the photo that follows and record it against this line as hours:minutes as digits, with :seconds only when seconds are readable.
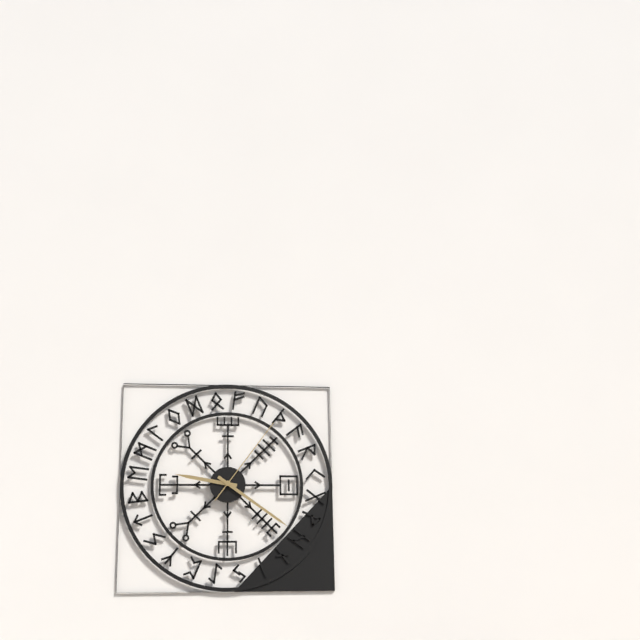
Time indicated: 9:21:06
